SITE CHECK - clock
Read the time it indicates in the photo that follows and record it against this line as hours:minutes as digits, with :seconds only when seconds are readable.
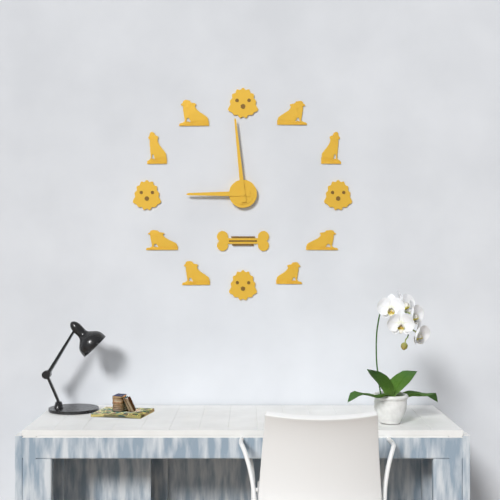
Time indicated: 8:59
